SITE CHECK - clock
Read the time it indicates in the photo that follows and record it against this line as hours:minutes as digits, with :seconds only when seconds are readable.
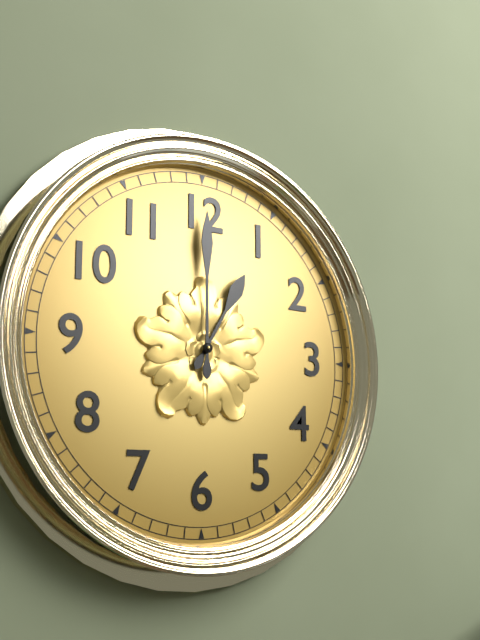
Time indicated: 1:00
